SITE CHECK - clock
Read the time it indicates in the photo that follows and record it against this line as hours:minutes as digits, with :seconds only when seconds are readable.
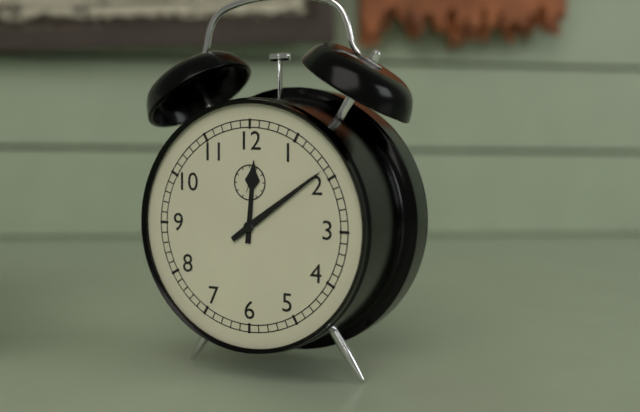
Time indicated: 12:09
